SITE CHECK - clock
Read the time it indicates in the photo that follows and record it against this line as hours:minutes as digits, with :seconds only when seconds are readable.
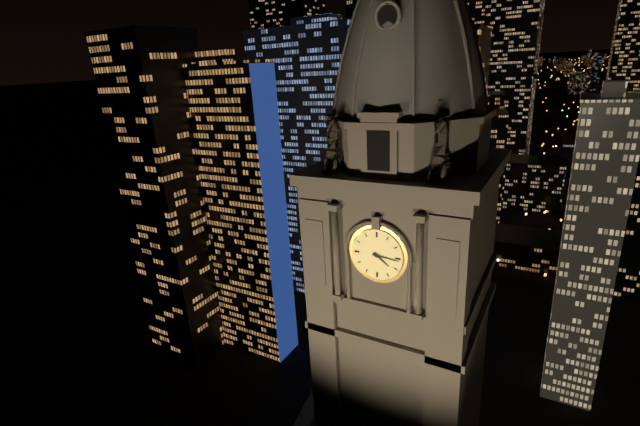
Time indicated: 4:16
